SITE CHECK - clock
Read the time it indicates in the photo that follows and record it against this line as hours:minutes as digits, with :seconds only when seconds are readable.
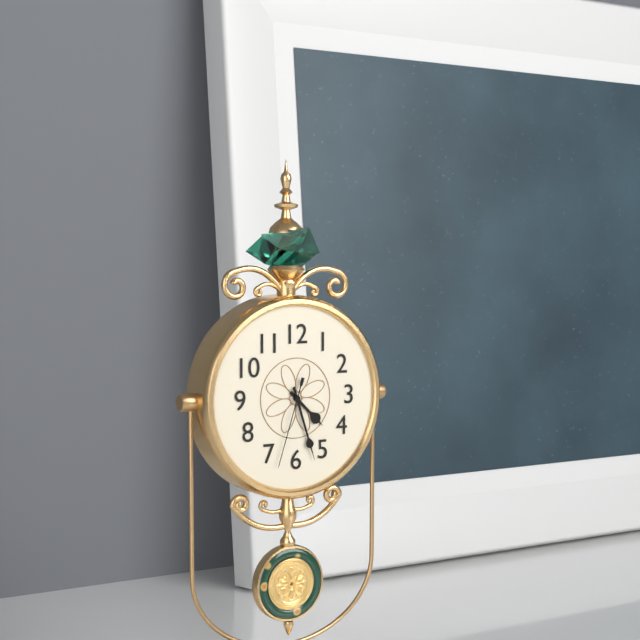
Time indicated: 4:27:33
